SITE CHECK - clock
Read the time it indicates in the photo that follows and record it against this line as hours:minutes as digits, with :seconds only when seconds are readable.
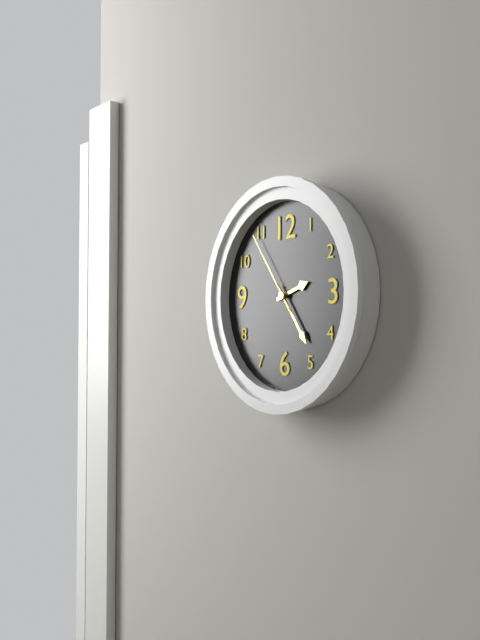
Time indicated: 2:24:54
